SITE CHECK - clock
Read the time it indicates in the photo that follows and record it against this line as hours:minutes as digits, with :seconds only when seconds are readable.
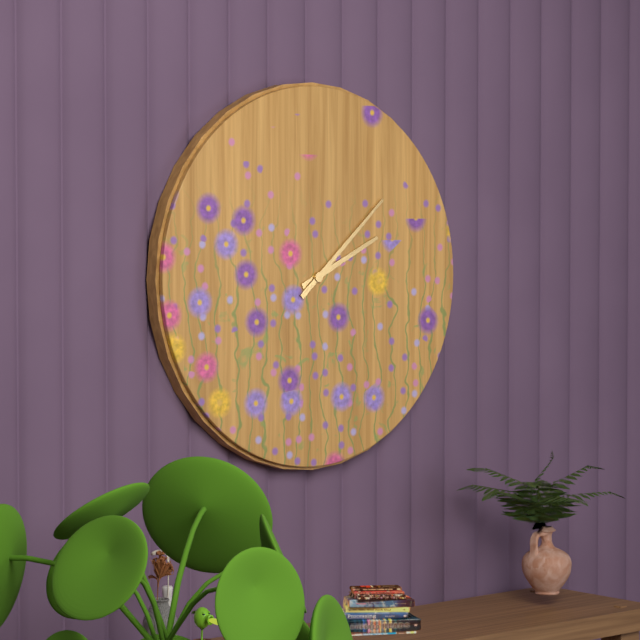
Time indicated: 2:08
